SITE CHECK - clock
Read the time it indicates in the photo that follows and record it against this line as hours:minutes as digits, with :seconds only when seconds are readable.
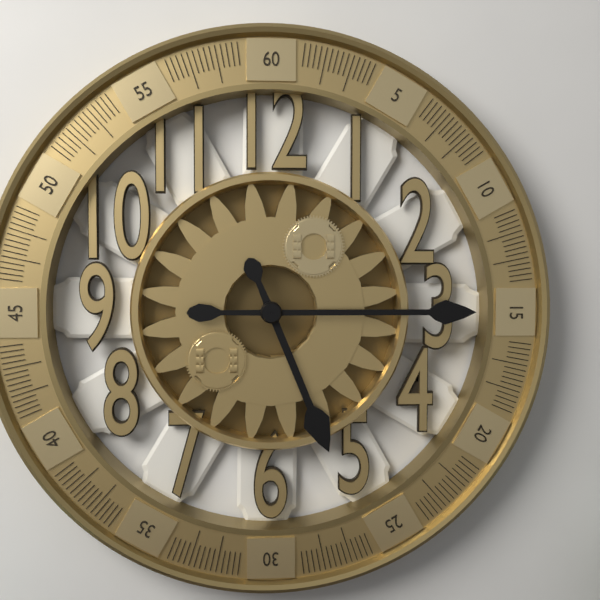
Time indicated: 5:15
